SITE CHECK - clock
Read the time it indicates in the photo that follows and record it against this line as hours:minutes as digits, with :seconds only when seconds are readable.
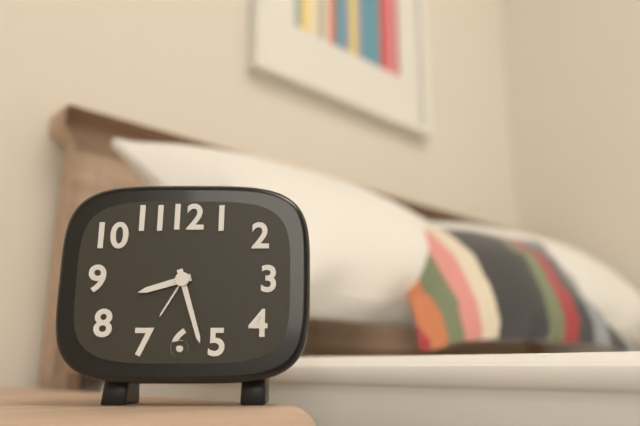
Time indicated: 8:27
